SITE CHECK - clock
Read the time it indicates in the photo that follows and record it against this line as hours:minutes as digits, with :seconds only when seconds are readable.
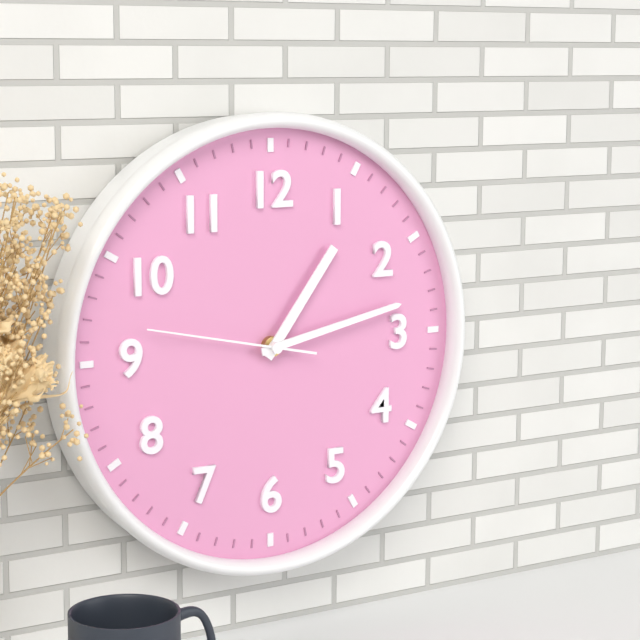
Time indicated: 1:13:47
